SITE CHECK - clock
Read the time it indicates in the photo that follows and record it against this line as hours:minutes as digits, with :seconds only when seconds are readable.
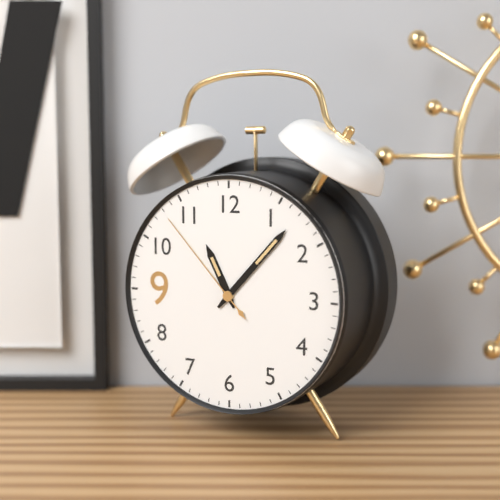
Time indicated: 11:07:53
